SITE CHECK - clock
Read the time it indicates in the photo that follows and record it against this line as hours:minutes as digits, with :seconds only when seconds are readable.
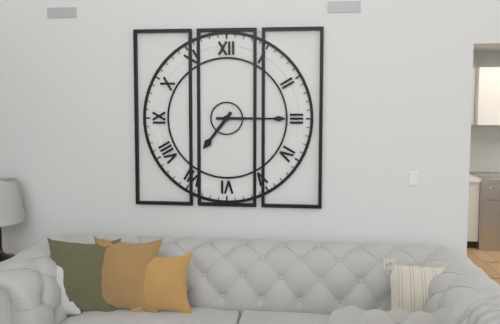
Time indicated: 7:15
